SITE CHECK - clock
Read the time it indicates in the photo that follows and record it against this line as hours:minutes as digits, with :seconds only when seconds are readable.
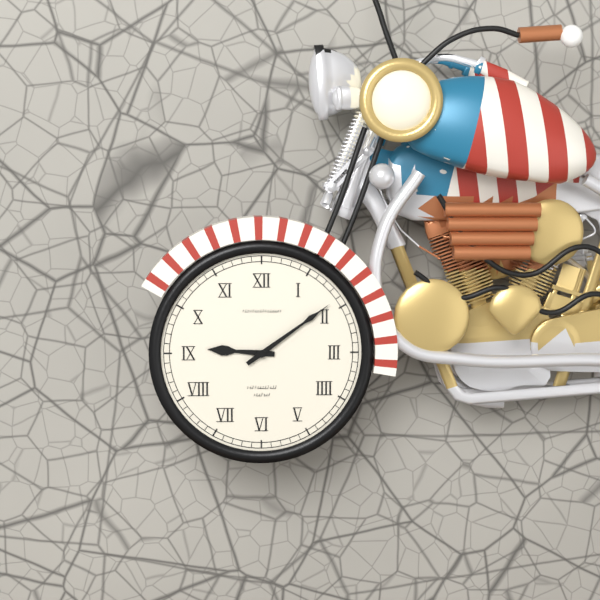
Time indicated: 9:09
